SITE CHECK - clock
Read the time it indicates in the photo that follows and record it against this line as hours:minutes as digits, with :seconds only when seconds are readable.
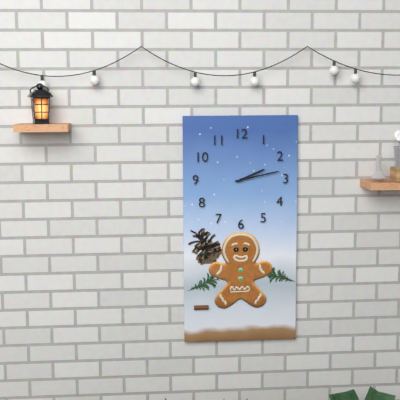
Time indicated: 2:13
